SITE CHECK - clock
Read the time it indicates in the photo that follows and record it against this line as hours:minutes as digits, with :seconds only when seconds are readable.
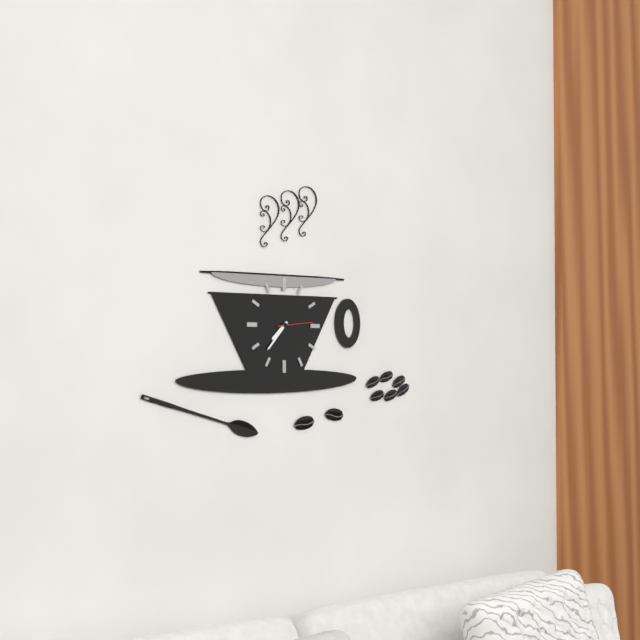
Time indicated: 7:37
